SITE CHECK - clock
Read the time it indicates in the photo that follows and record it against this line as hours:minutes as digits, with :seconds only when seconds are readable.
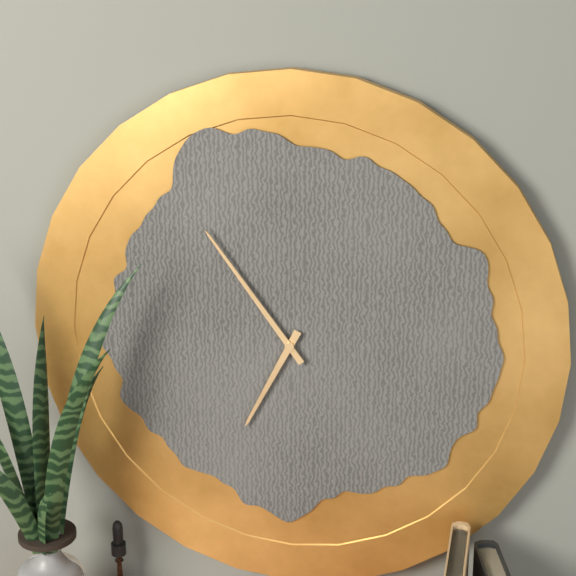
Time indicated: 6:54
